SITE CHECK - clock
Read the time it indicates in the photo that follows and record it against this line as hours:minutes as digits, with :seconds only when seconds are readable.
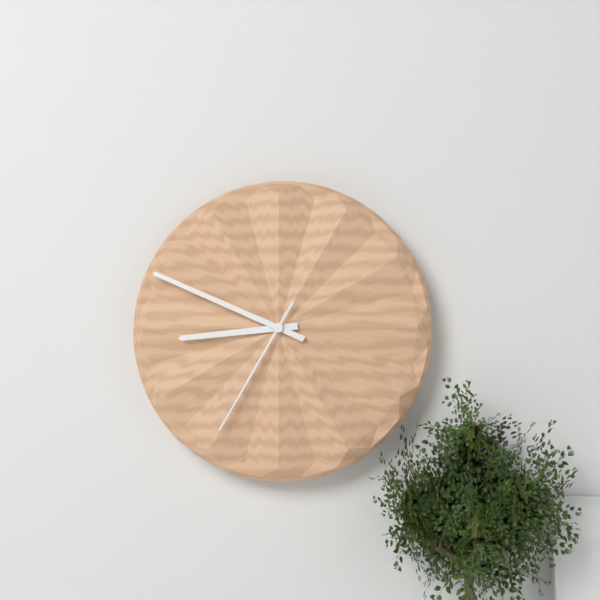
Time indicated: 8:49:35
